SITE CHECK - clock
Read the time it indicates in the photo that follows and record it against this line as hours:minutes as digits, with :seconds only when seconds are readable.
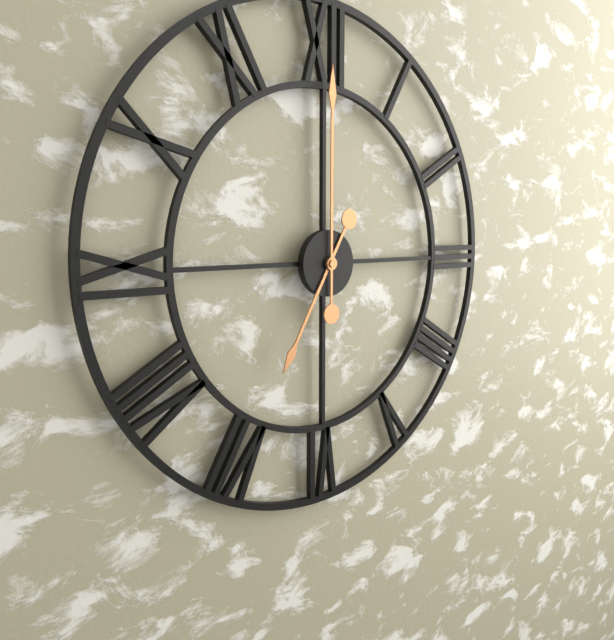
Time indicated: 7:00
